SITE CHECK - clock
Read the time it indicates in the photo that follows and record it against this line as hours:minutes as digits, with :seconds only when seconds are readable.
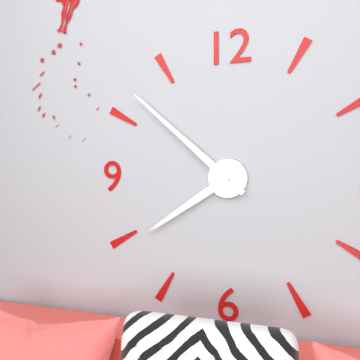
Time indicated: 7:52
